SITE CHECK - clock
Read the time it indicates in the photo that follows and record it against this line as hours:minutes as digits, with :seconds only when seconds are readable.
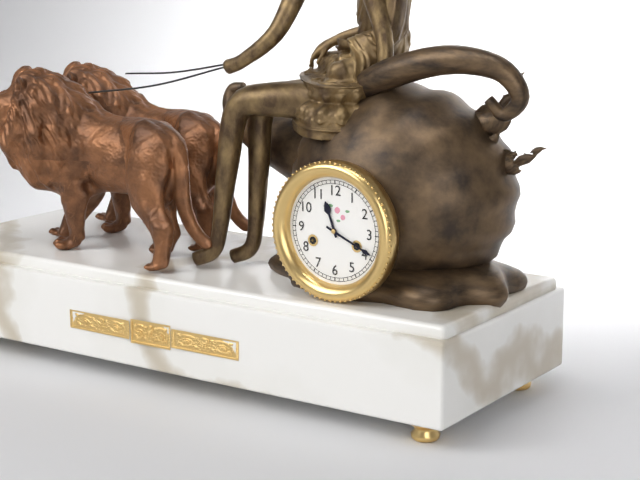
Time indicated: 11:19
